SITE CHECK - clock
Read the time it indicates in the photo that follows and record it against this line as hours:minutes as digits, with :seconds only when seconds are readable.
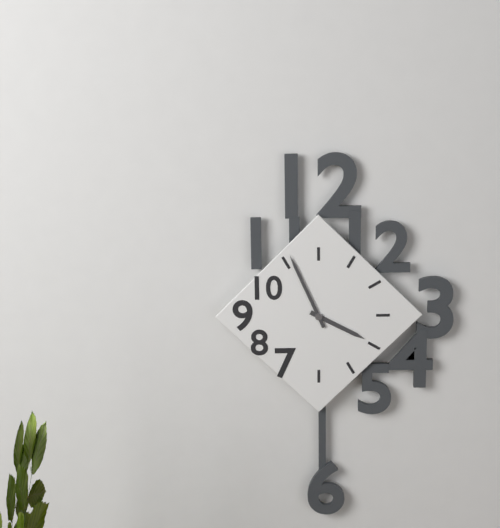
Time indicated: 3:56
